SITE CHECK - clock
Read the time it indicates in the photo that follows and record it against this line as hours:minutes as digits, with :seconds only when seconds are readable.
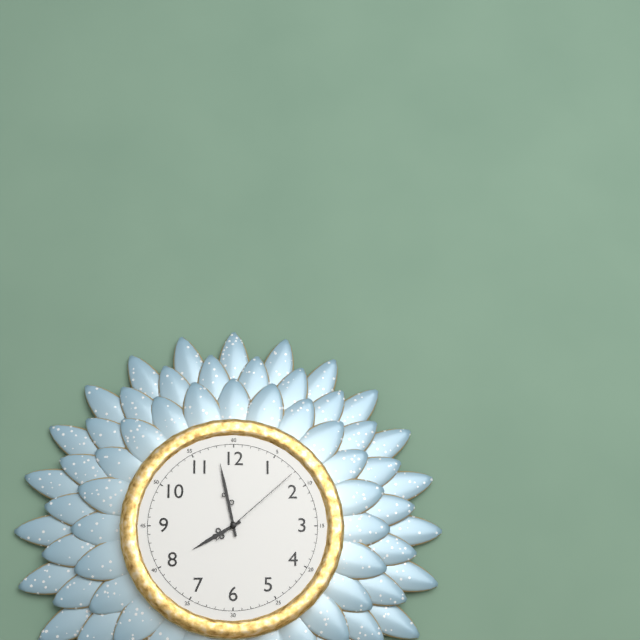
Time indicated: 7:58:08
